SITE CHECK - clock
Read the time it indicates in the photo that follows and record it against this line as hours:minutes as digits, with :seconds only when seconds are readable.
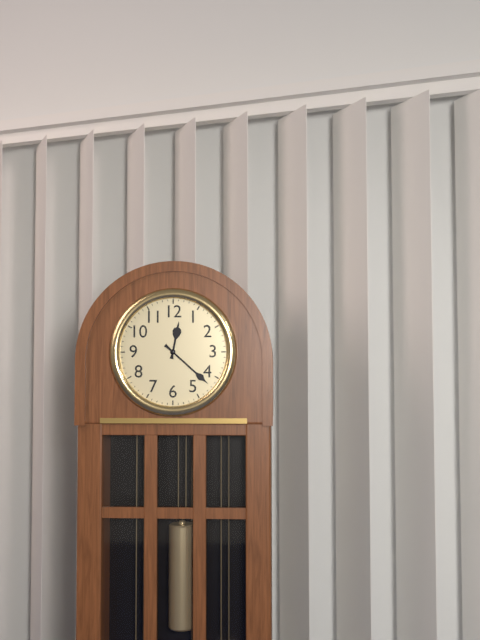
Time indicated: 12:22
